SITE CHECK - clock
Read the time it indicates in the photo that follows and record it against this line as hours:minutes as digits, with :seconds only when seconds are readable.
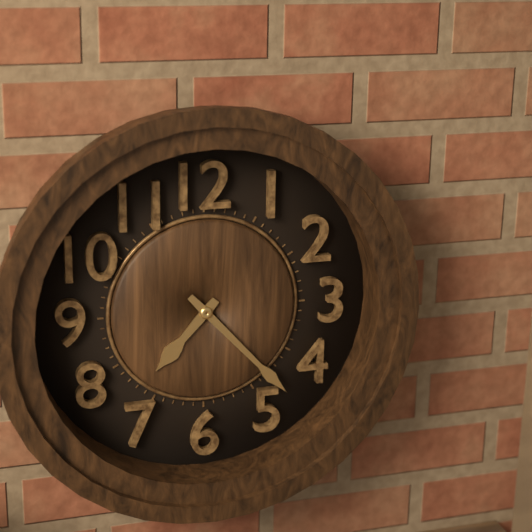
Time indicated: 7:23
